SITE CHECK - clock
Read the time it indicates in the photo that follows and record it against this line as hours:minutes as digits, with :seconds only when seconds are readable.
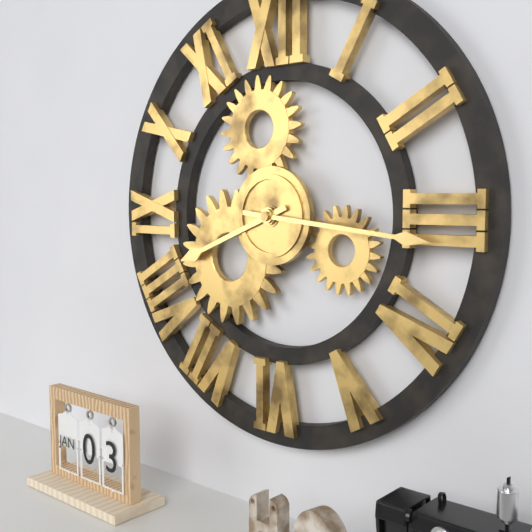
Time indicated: 8:16
